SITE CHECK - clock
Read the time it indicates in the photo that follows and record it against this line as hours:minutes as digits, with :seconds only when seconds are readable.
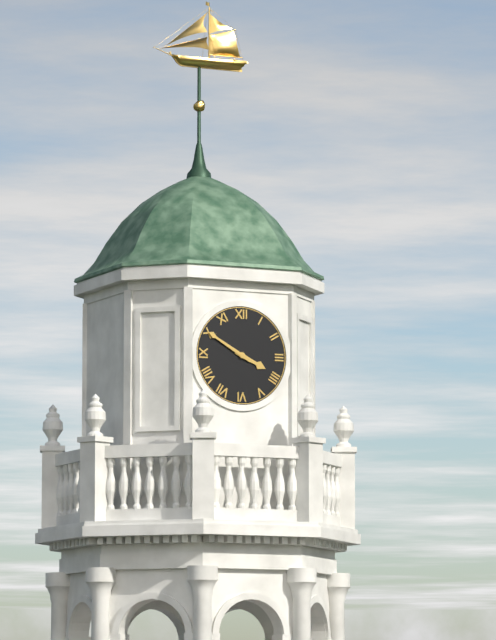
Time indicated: 3:50
